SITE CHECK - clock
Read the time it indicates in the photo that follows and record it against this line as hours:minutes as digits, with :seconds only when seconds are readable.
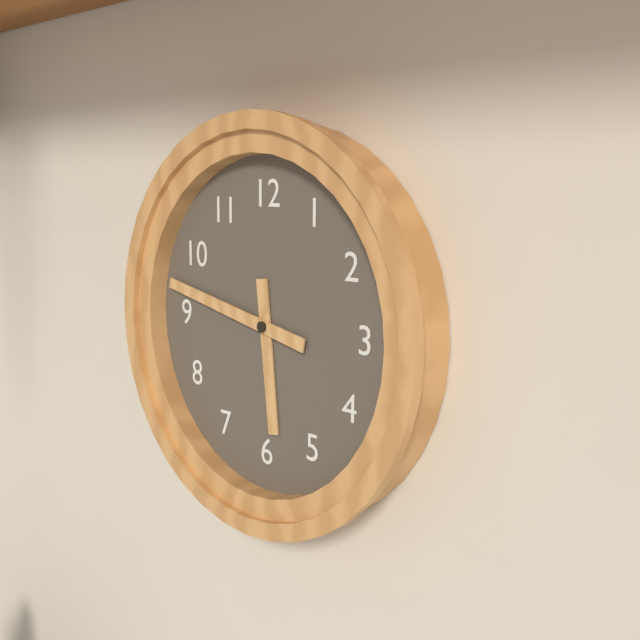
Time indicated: 5:47
